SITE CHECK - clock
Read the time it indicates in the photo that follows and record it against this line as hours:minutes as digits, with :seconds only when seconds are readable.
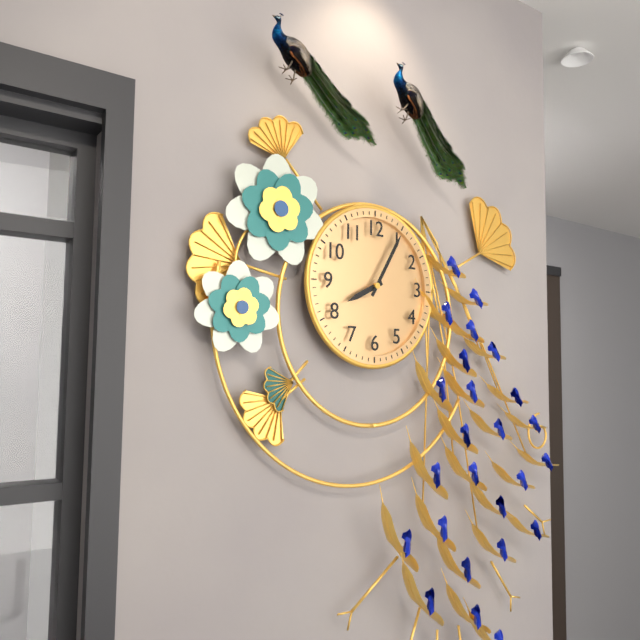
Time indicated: 8:05
